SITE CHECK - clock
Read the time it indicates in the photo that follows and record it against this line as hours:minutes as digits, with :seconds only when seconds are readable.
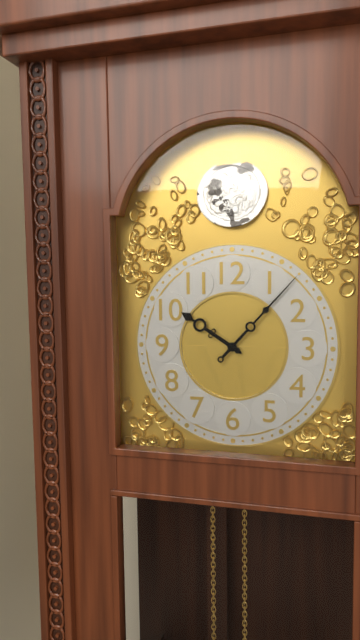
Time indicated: 10:07
